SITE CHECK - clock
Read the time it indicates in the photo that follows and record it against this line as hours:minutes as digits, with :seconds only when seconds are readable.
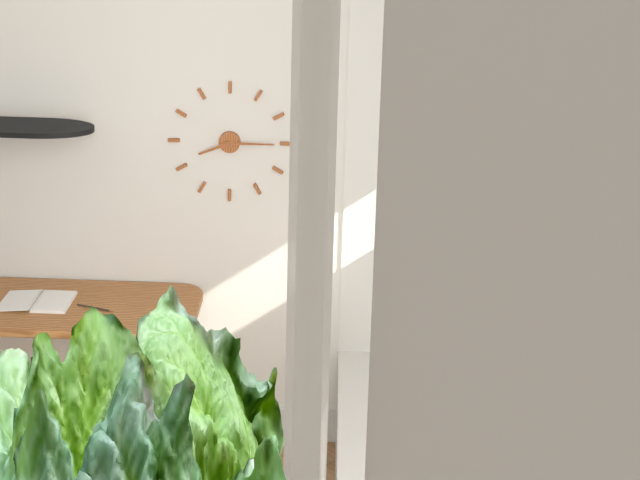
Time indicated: 8:15
